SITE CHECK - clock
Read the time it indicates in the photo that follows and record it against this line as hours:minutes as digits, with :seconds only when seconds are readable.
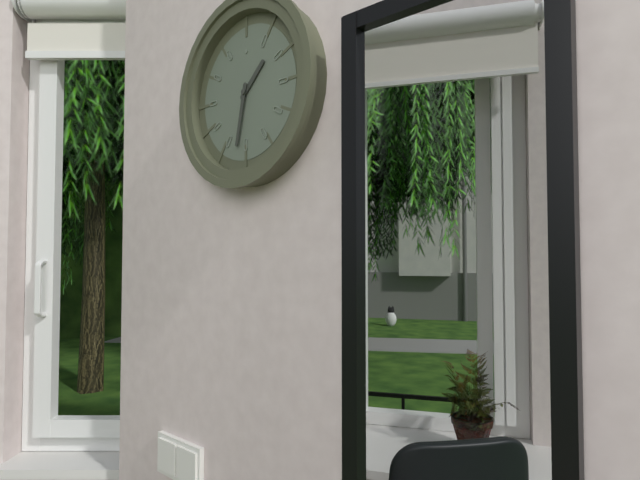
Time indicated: 1:32
